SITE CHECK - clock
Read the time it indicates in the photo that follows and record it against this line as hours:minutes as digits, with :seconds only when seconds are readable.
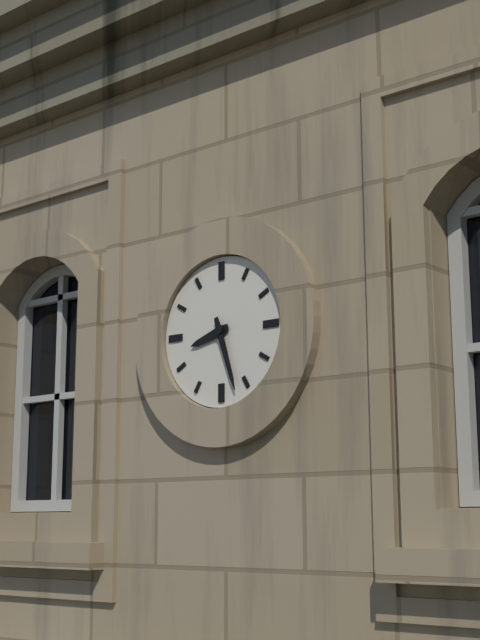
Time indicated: 8:27
